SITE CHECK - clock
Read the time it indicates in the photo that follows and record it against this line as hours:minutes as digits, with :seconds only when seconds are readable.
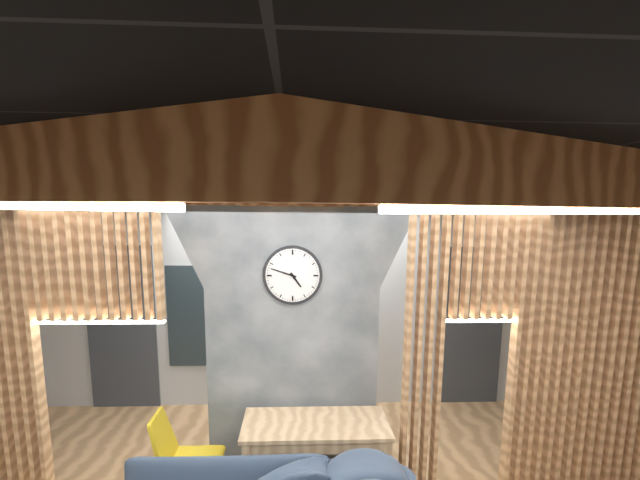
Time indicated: 4:48
